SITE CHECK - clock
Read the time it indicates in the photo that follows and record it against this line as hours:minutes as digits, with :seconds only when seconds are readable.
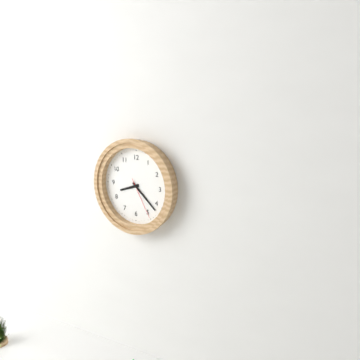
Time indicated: 8:22
